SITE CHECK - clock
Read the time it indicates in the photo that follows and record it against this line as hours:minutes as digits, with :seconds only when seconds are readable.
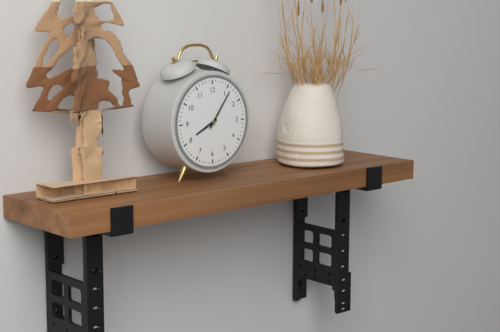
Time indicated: 8:06
